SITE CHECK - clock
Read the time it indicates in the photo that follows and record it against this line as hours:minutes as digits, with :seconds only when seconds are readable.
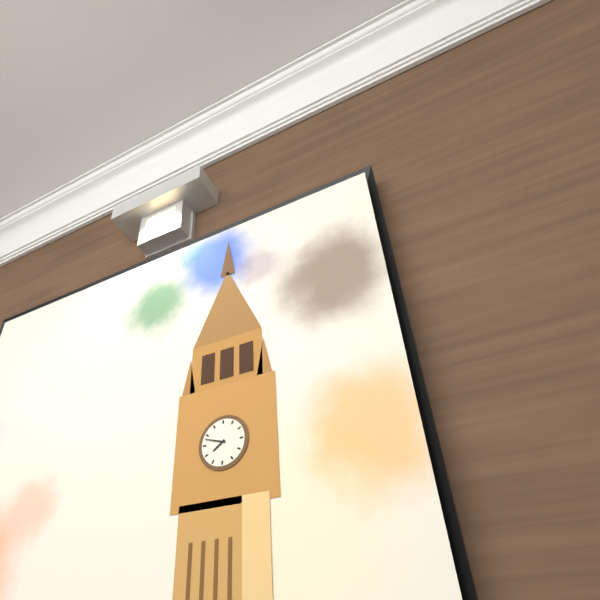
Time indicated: 7:48
